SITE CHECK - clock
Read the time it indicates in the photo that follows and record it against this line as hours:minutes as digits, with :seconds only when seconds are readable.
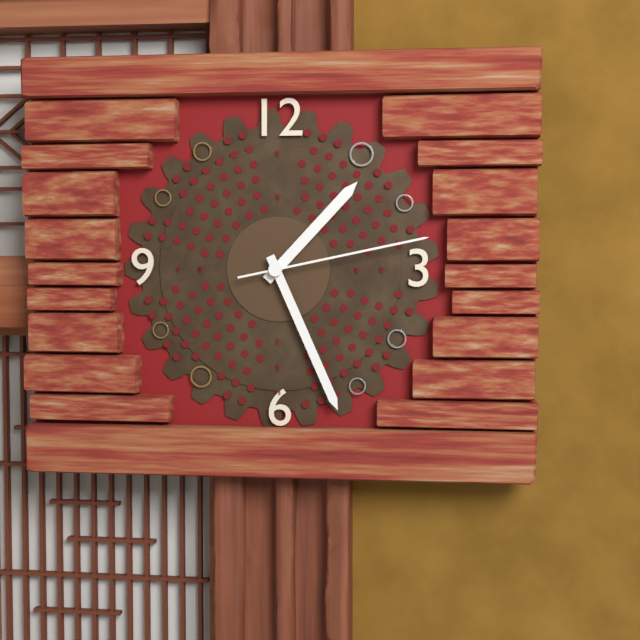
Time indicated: 1:26:13
